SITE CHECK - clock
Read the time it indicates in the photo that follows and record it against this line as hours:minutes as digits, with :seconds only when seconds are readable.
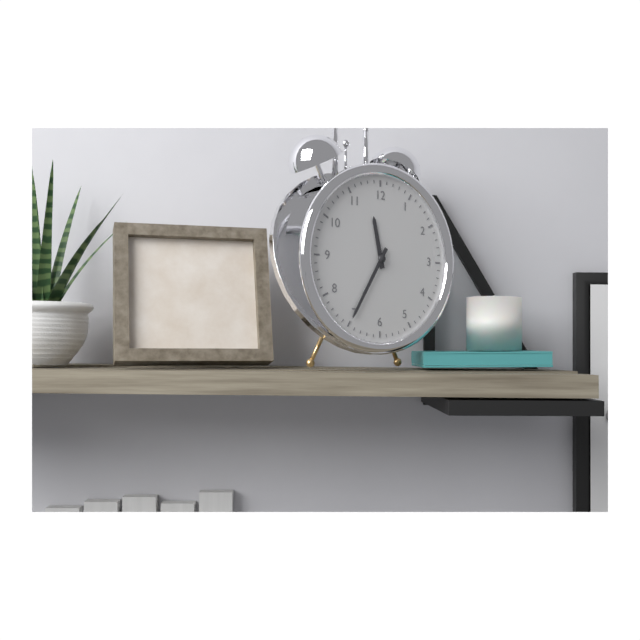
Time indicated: 11:35
